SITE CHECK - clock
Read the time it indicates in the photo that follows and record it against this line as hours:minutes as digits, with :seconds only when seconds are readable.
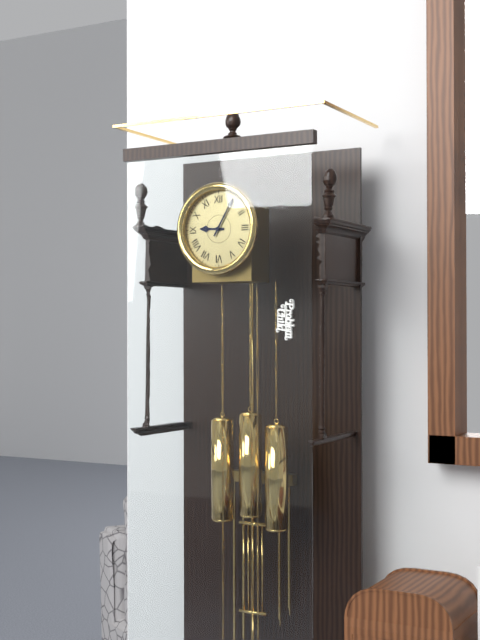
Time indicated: 9:05
